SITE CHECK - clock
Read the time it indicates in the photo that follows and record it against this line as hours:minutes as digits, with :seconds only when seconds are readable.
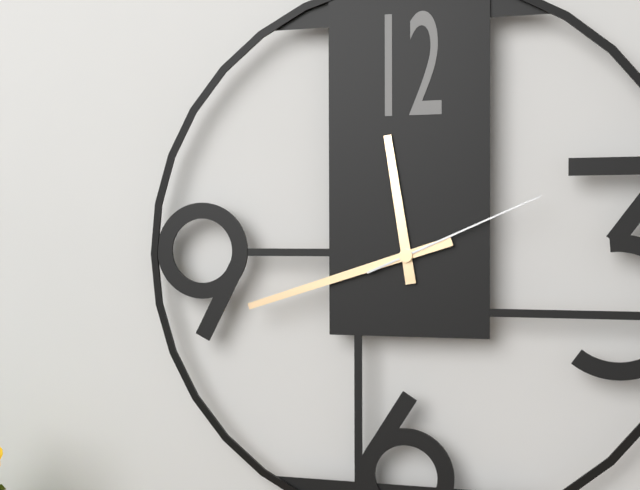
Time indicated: 11:42:11
